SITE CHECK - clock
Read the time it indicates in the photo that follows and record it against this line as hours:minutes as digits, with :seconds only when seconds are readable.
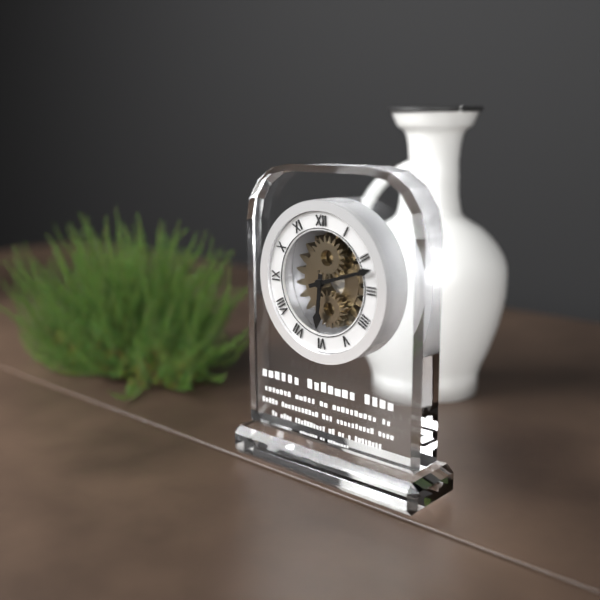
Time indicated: 6:12
